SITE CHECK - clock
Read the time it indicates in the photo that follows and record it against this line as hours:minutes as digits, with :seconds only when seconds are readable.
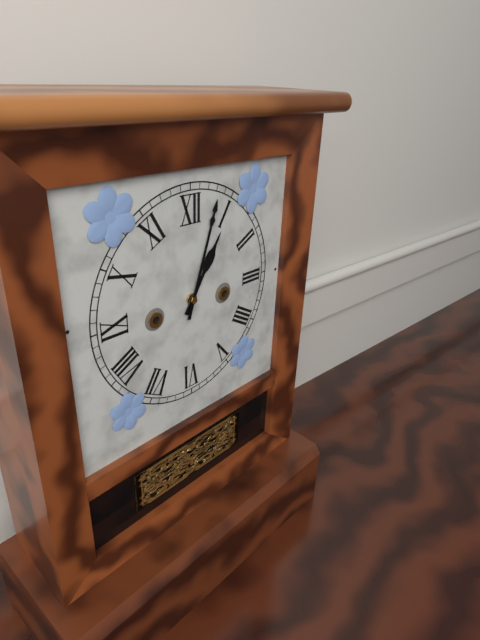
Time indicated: 1:03
